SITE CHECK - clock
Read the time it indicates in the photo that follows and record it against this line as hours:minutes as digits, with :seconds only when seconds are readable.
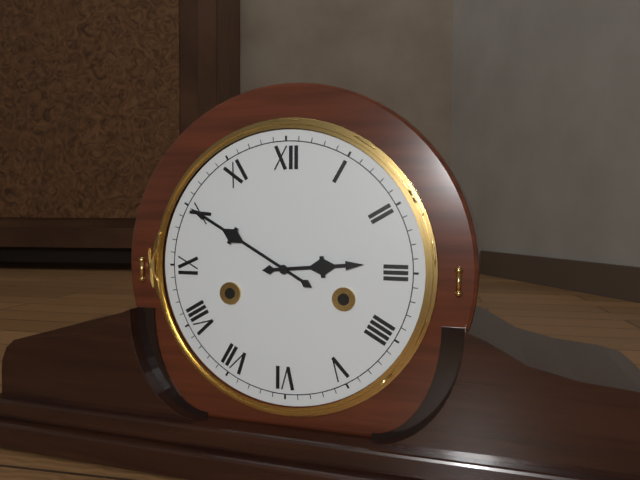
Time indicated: 2:50
